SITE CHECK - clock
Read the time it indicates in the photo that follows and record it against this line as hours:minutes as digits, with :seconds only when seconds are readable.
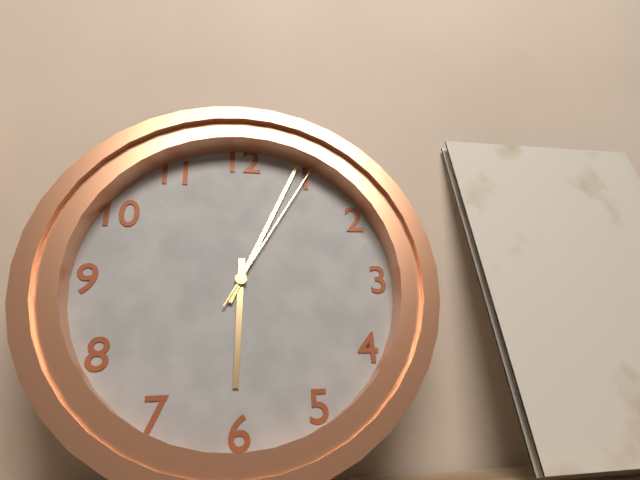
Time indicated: 6:04:05
